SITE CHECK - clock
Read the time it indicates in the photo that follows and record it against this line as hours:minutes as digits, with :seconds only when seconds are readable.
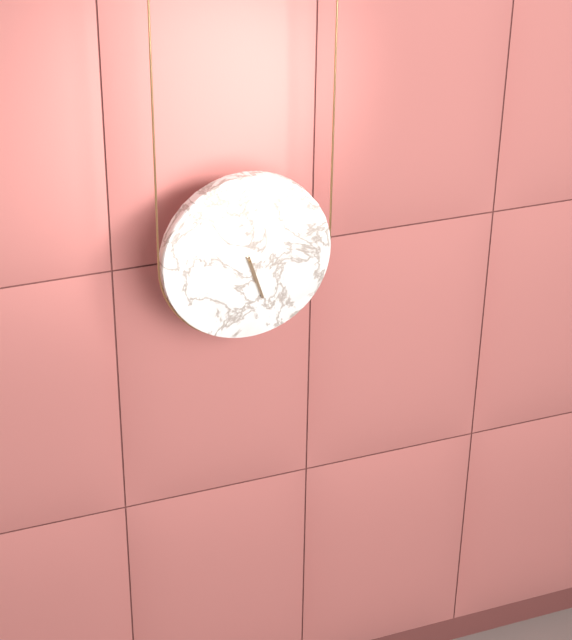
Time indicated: 5:27
